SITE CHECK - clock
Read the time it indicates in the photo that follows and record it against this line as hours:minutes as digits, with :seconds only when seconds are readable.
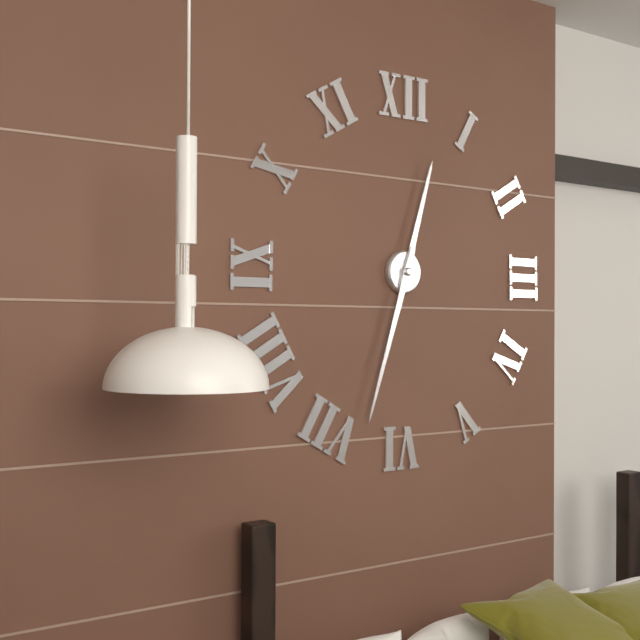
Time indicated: 12:33
